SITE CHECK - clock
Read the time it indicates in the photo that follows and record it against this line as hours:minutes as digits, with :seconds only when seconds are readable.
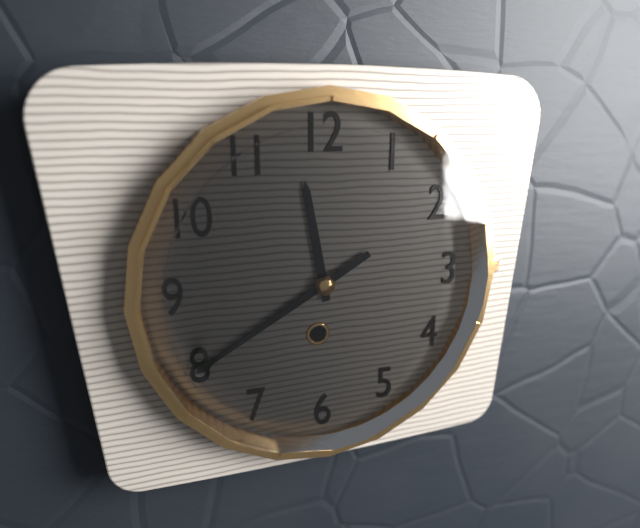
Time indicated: 11:40
